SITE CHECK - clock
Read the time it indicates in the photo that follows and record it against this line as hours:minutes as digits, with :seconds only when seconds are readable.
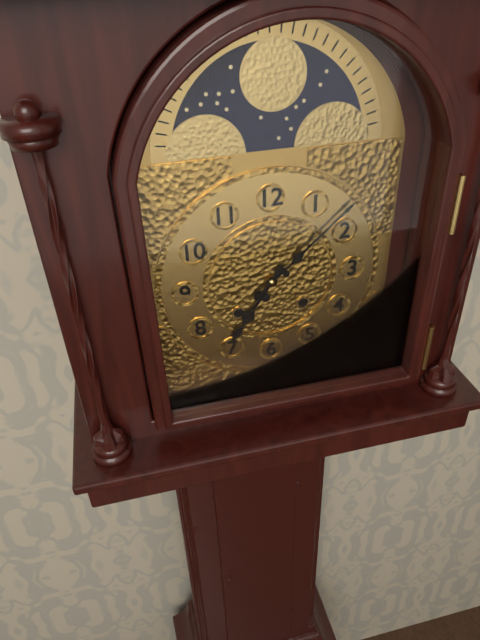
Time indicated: 7:08
